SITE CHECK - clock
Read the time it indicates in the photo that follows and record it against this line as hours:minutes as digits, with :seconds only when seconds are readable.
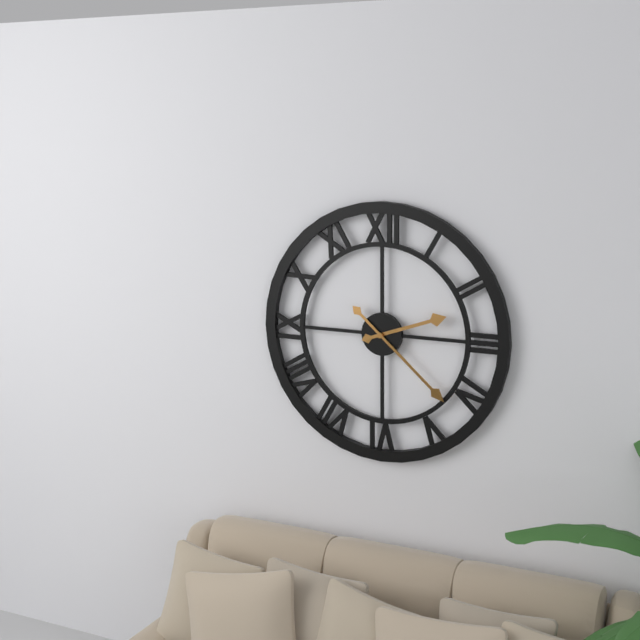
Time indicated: 2:22
